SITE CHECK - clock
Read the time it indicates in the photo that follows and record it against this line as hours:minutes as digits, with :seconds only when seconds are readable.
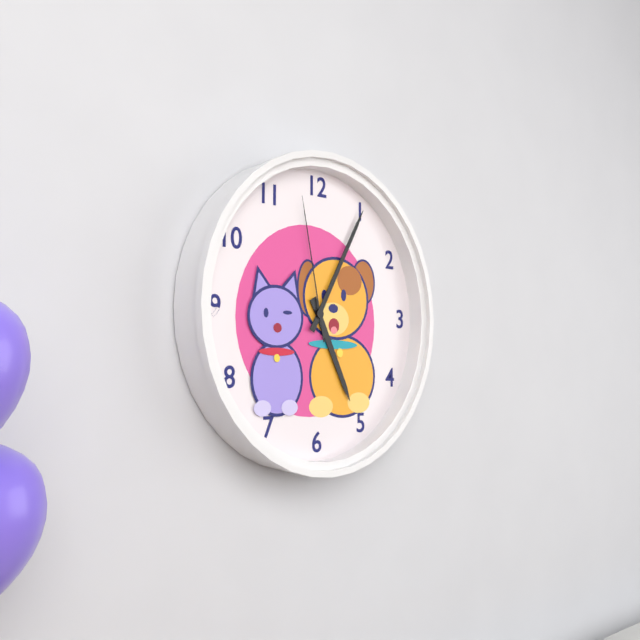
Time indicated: 5:05:58
